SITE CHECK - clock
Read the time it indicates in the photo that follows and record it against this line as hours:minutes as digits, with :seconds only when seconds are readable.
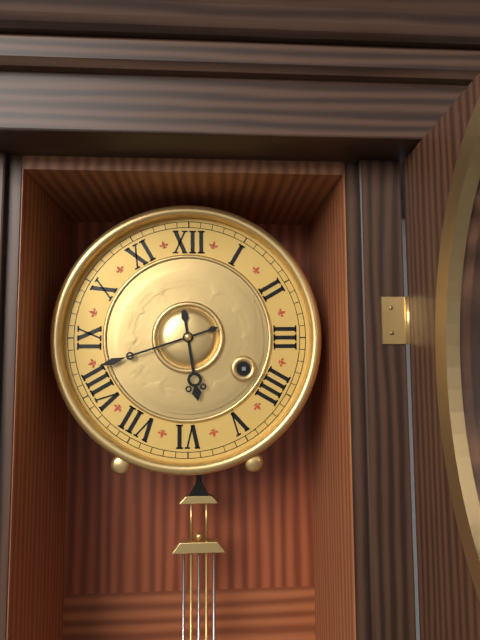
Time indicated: 5:42
